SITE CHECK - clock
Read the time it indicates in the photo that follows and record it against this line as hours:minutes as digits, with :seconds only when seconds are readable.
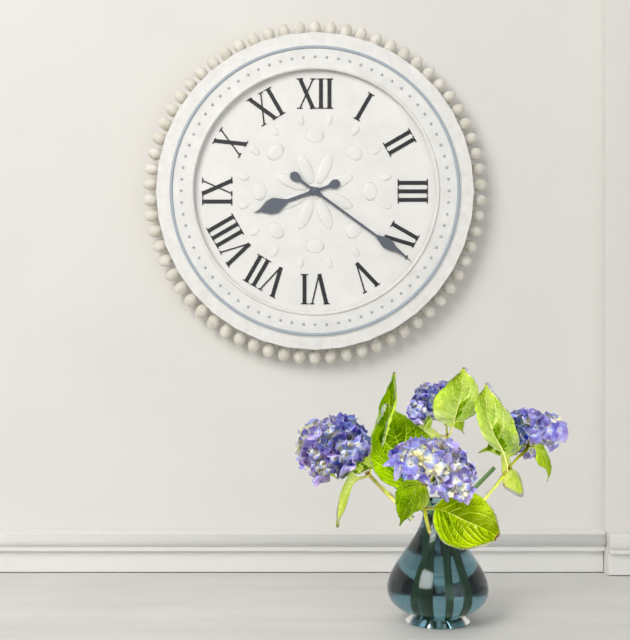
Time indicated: 8:21
